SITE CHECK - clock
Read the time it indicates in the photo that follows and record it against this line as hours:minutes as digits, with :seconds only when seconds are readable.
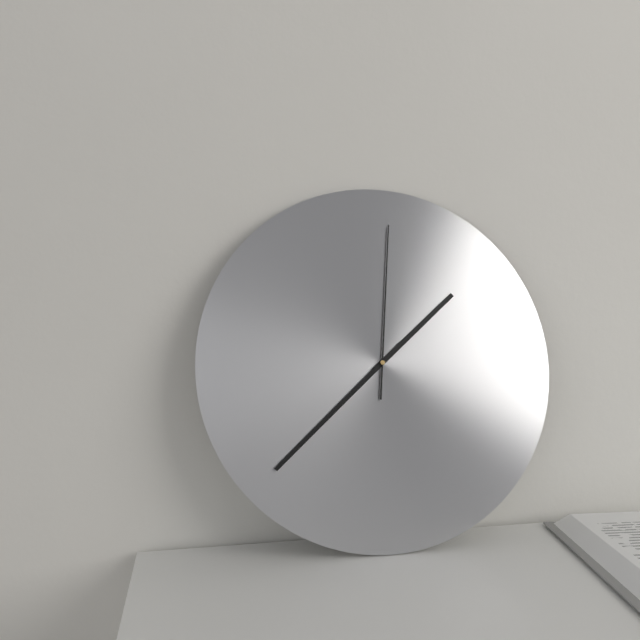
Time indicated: 1:38:01
